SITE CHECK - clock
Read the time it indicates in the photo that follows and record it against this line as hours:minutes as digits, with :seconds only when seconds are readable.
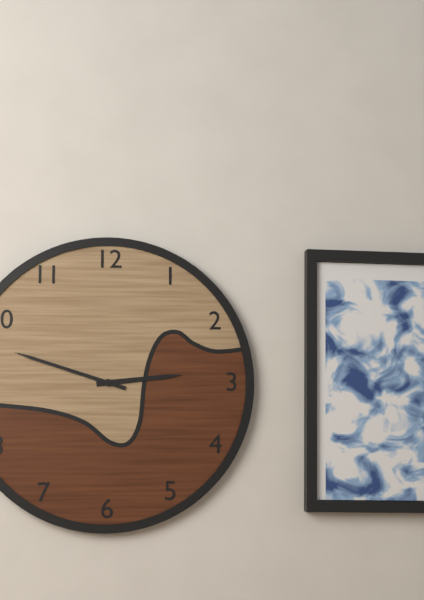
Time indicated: 2:48
